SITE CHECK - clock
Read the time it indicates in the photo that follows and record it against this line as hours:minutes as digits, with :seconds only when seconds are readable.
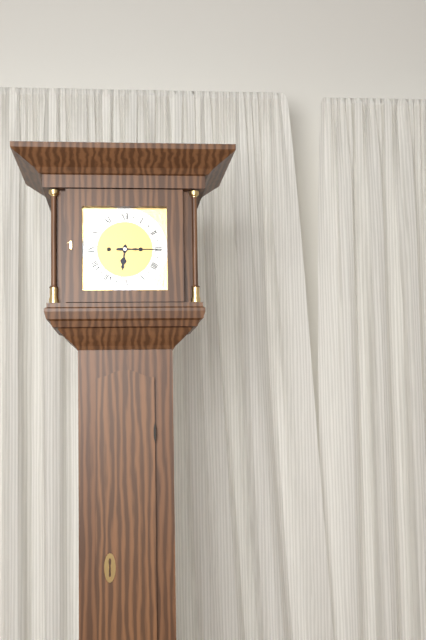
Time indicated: 6:15
